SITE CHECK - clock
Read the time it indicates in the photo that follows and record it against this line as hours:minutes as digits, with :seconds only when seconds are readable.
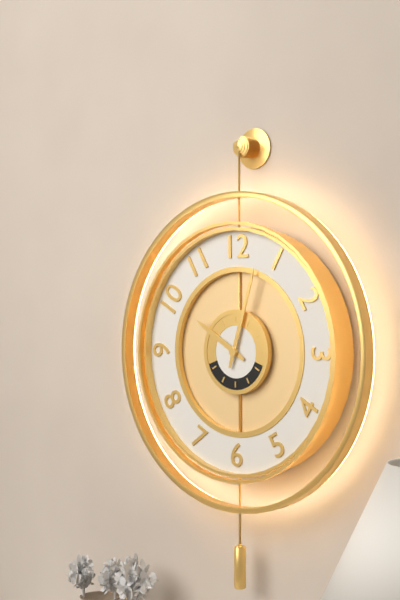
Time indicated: 10:03
